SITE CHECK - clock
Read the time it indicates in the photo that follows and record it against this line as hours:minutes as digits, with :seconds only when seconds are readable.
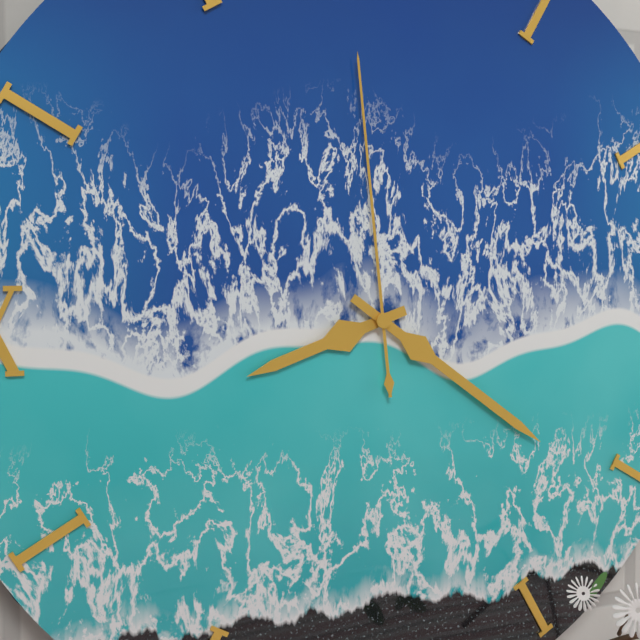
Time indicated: 8:21:59
